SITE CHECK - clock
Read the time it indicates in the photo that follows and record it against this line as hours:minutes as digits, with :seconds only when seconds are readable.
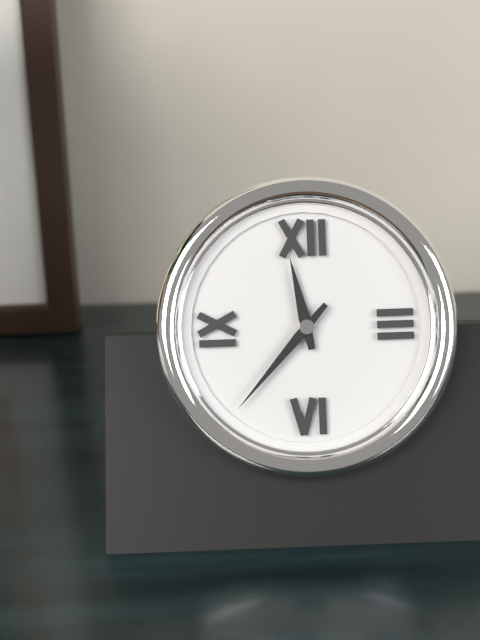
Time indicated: 11:37
